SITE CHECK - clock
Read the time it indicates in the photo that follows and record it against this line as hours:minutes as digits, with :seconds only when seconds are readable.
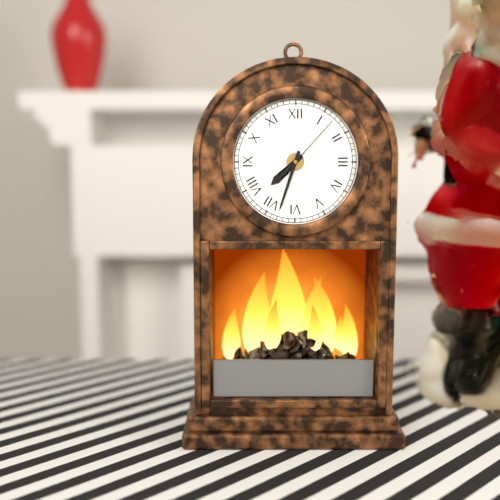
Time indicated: 7:33:07
